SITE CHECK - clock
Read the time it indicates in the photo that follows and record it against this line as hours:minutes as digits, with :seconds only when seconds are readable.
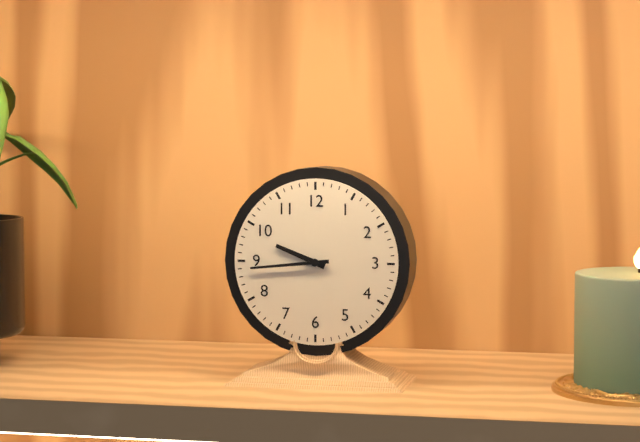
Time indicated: 9:44
